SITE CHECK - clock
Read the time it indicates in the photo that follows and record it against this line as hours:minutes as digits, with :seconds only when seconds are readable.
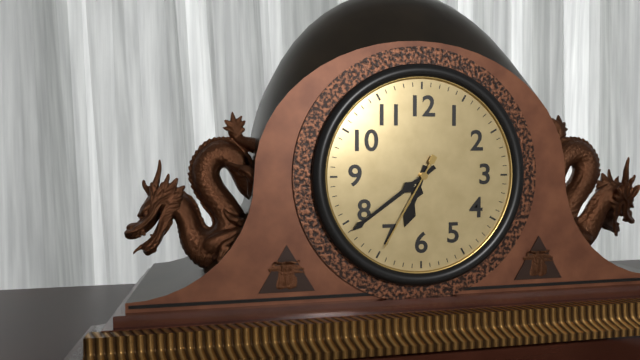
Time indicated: 6:39:35
